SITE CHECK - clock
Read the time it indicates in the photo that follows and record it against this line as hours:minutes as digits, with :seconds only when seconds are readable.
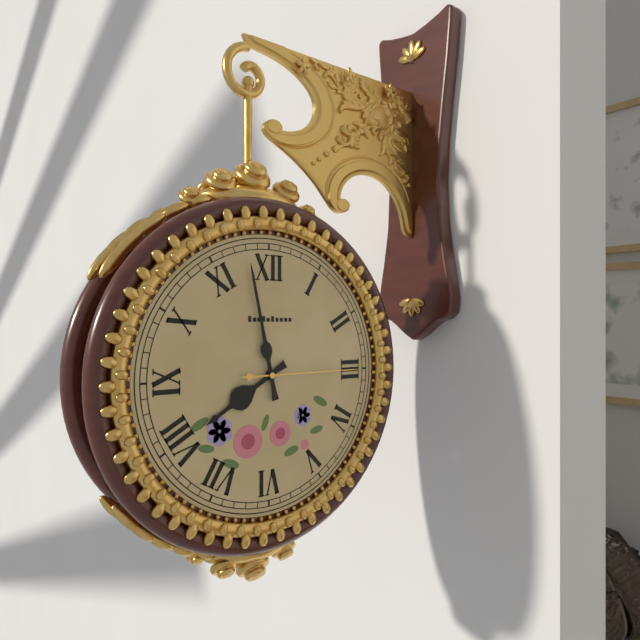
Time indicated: 7:58:15
